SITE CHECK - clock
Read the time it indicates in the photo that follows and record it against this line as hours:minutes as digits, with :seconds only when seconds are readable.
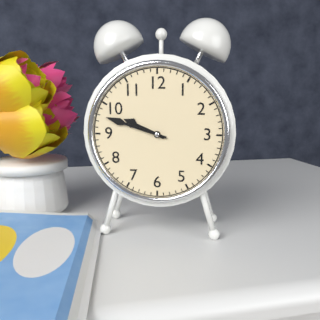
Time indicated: 9:48
